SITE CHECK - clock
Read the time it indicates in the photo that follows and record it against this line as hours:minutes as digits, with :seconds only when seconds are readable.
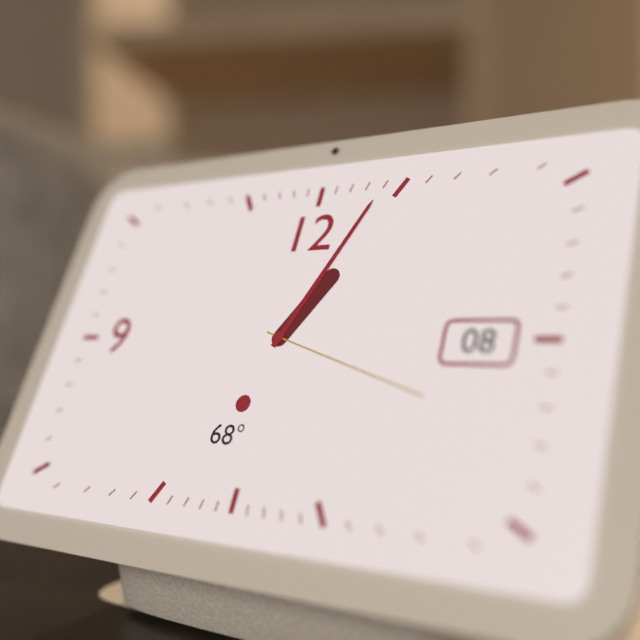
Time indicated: 1:04:18
